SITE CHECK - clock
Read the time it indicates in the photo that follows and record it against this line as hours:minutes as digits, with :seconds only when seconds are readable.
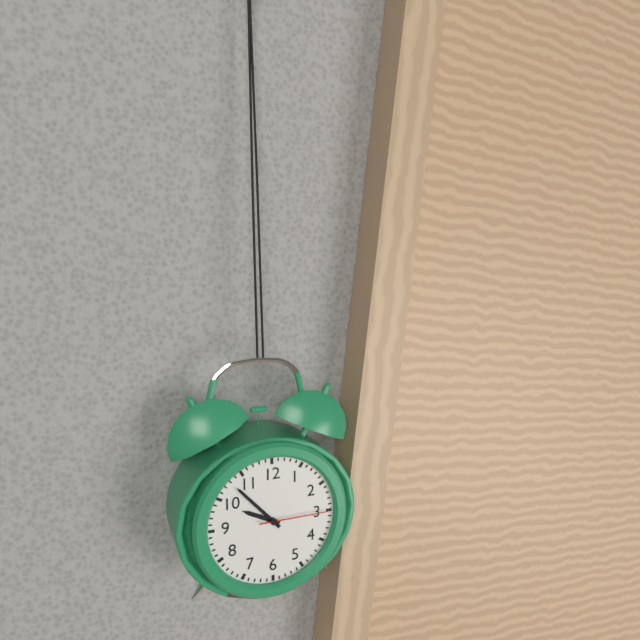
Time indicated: 9:53:15
